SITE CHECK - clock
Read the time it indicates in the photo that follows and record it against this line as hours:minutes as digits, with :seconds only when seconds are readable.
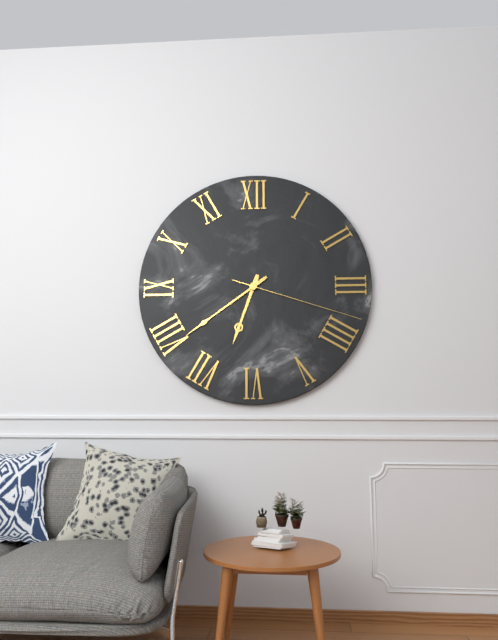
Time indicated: 6:39:18
